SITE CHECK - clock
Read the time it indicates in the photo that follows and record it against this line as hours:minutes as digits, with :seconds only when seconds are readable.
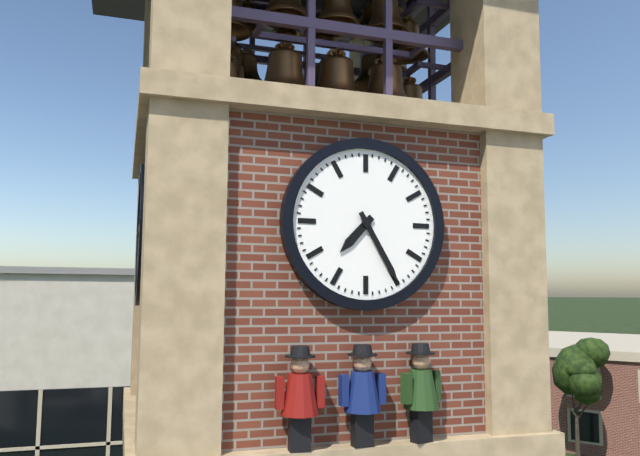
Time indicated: 7:25
